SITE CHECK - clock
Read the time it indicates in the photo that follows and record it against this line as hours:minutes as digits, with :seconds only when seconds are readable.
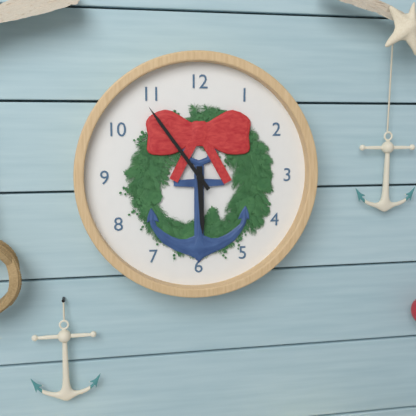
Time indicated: 5:54
